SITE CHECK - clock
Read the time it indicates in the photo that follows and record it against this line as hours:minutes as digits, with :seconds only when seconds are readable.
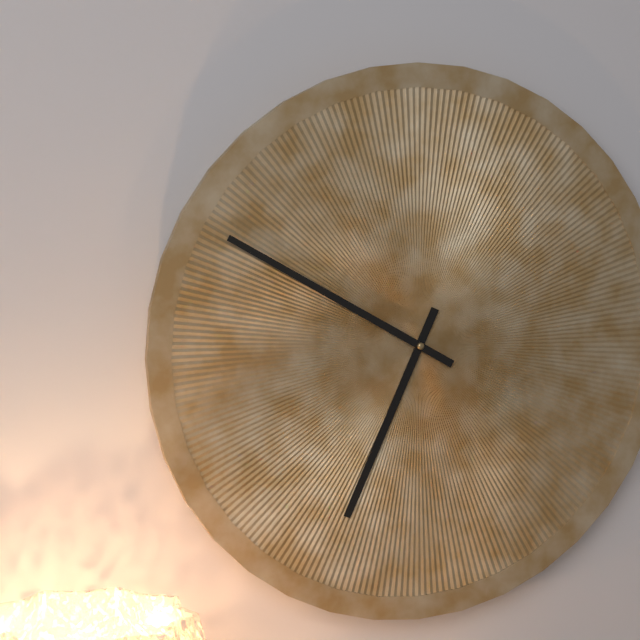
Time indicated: 6:50
